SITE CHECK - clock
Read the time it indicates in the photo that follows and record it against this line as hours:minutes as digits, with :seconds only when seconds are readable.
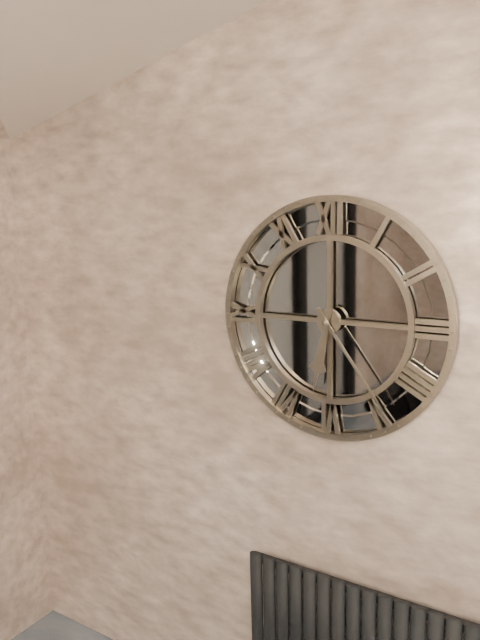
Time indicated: 6:24
